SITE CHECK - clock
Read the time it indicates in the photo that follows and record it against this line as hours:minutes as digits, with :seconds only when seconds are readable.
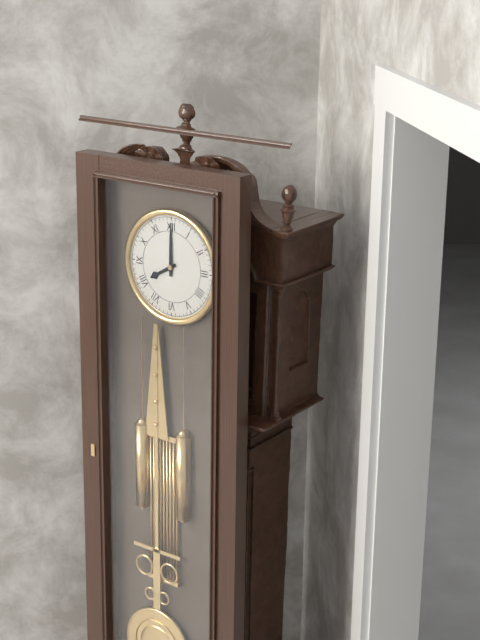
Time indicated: 8:00
